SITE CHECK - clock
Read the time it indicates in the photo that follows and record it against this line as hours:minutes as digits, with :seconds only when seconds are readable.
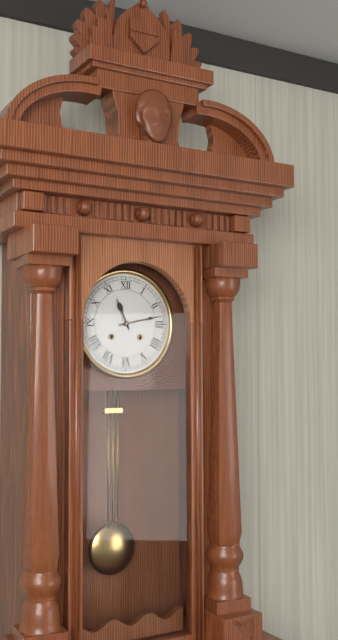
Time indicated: 11:13
